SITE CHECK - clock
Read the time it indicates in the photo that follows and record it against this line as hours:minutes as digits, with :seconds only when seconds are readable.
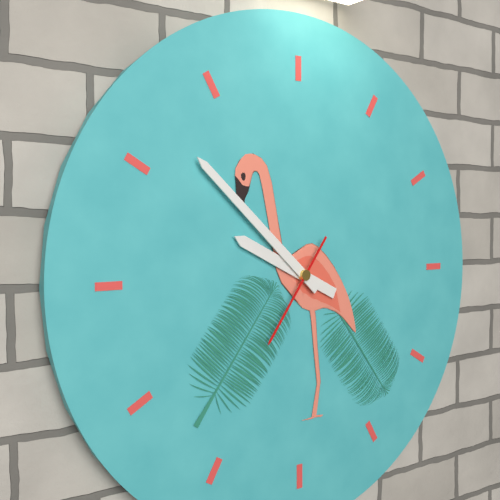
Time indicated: 9:52:36
